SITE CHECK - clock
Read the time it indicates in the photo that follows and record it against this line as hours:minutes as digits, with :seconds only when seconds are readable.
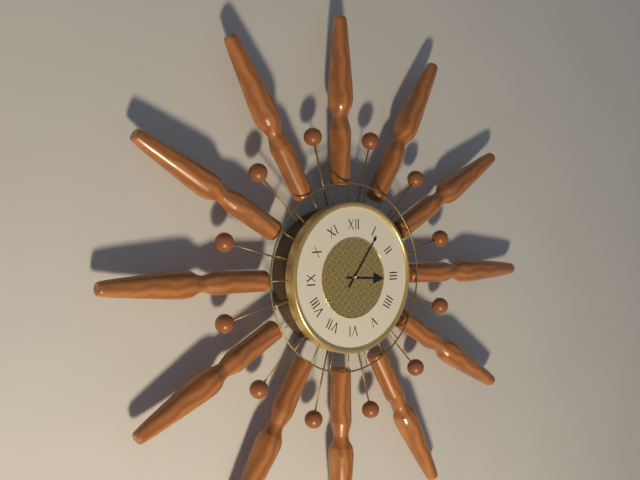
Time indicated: 3:06
